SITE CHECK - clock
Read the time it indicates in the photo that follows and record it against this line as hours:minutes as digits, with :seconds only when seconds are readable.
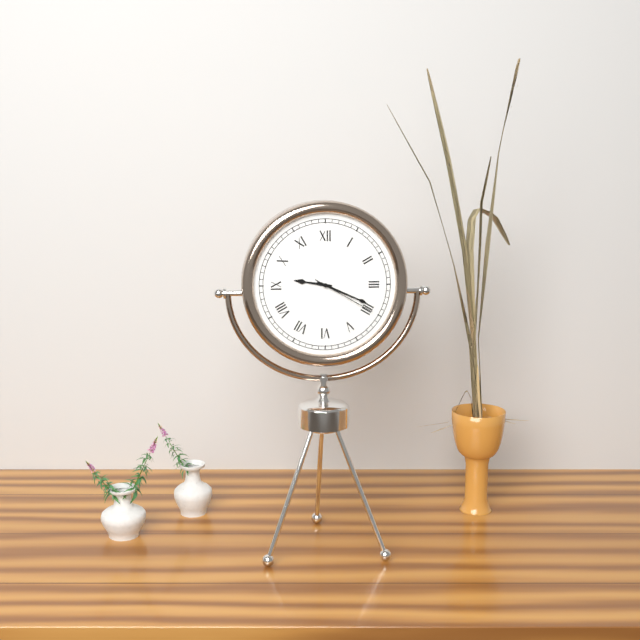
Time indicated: 9:19:20
